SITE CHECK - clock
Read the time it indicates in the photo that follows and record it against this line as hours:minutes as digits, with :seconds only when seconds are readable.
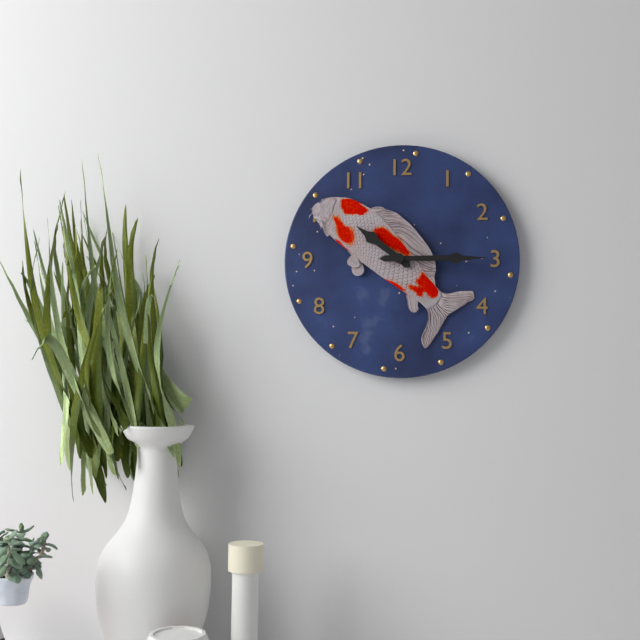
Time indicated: 10:15
